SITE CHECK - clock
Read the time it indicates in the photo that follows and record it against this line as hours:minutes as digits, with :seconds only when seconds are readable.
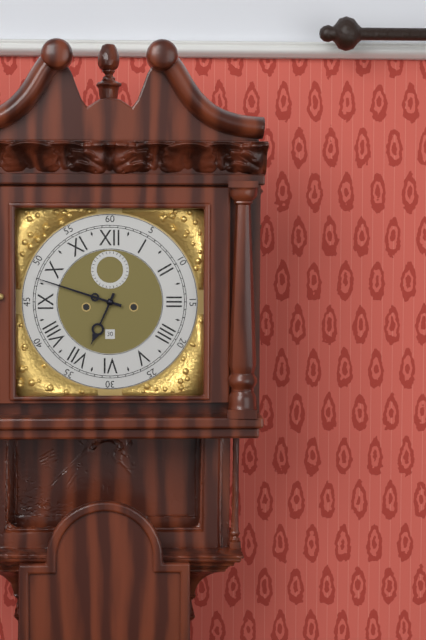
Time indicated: 6:48
